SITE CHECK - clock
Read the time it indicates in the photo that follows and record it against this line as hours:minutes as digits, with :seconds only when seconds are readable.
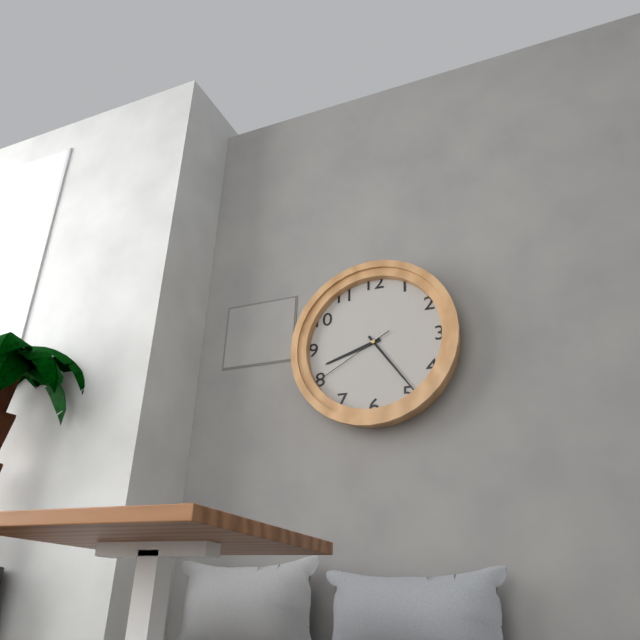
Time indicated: 8:24:40
